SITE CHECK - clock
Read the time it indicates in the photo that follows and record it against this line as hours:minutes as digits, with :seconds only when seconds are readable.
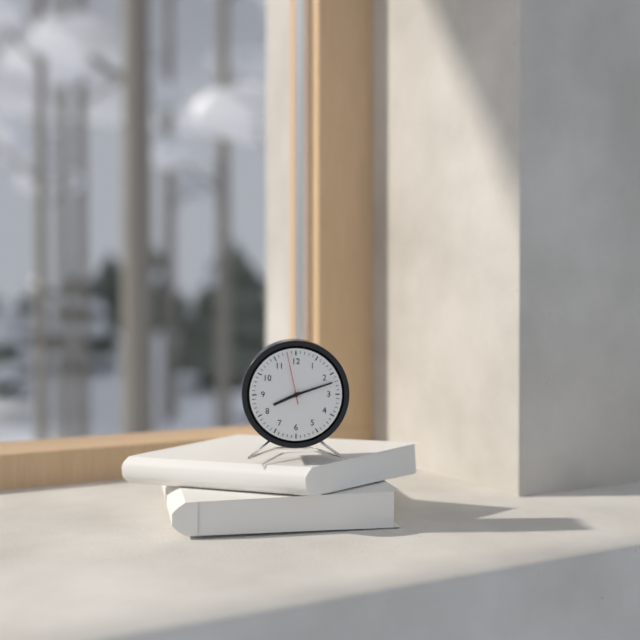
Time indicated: 8:12
